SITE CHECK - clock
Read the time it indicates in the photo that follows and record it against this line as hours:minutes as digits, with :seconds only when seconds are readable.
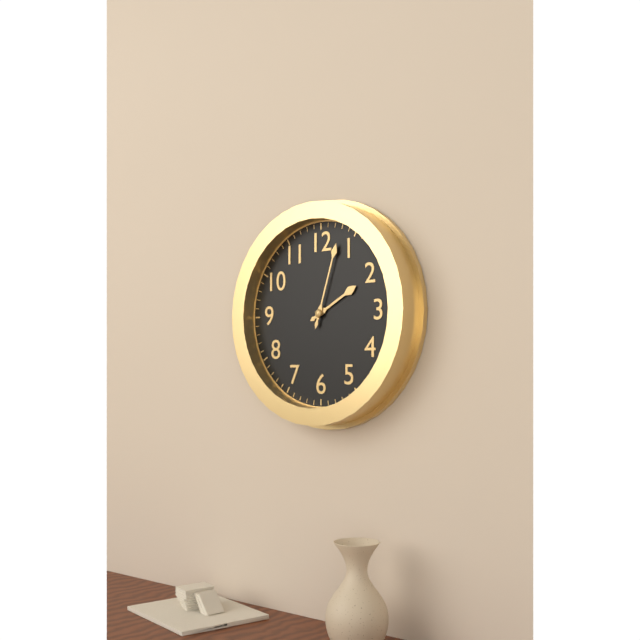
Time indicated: 2:03
